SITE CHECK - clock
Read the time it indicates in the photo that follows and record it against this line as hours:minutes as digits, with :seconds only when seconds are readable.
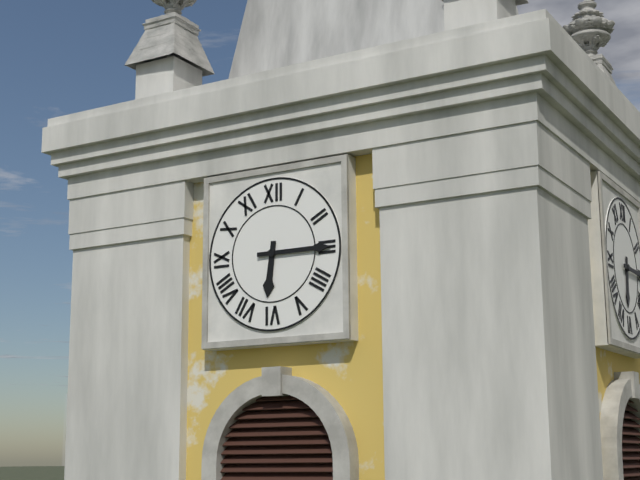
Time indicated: 6:15
